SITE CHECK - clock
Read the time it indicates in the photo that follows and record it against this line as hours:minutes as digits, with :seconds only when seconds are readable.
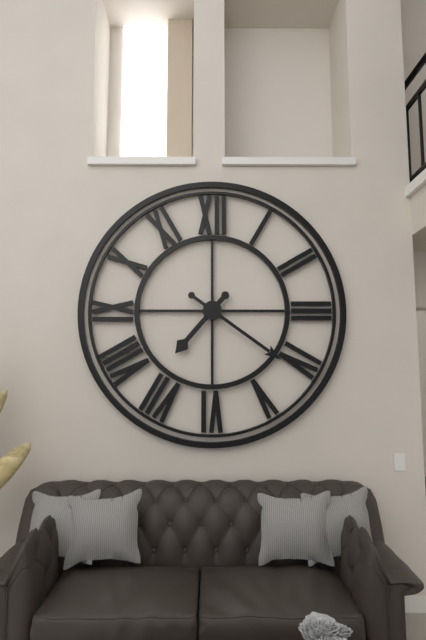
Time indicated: 7:21
